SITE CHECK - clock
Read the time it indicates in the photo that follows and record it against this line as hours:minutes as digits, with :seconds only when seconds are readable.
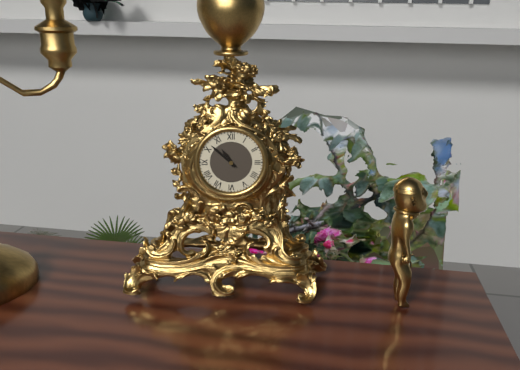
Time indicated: 10:52
